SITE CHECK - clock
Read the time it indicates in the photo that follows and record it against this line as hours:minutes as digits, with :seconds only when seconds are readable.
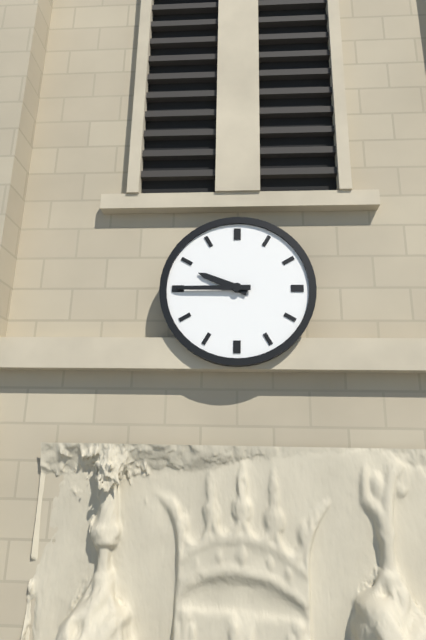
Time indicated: 9:45
